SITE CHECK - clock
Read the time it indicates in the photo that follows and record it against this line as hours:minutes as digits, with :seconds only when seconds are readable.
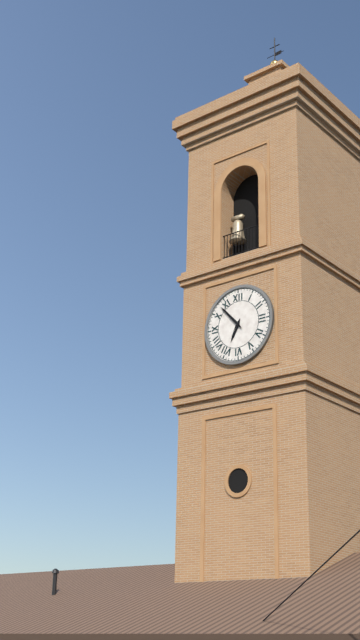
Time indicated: 6:53
